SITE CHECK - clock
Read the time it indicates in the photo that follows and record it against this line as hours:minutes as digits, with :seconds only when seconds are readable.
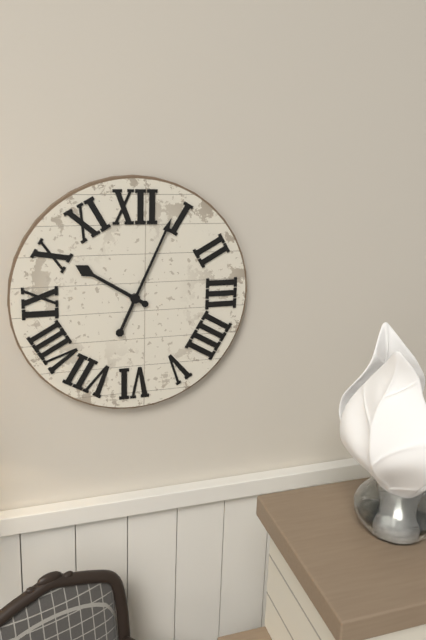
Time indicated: 10:04
